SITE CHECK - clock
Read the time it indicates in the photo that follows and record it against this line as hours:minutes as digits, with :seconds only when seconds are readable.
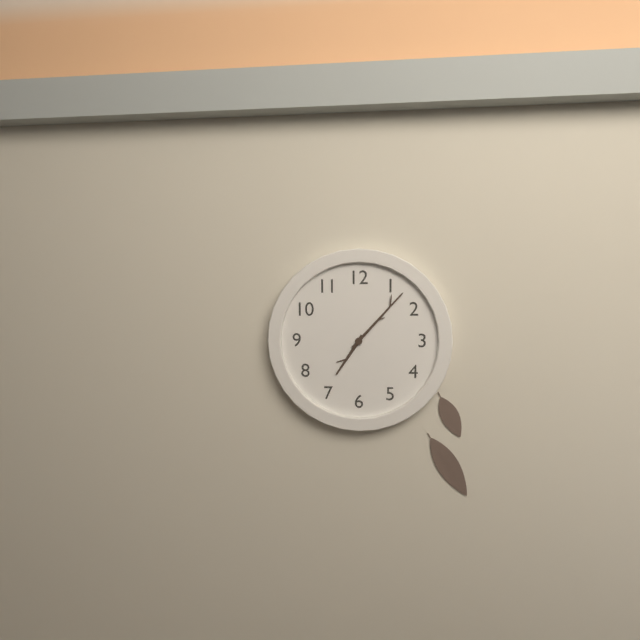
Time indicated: 7:07
